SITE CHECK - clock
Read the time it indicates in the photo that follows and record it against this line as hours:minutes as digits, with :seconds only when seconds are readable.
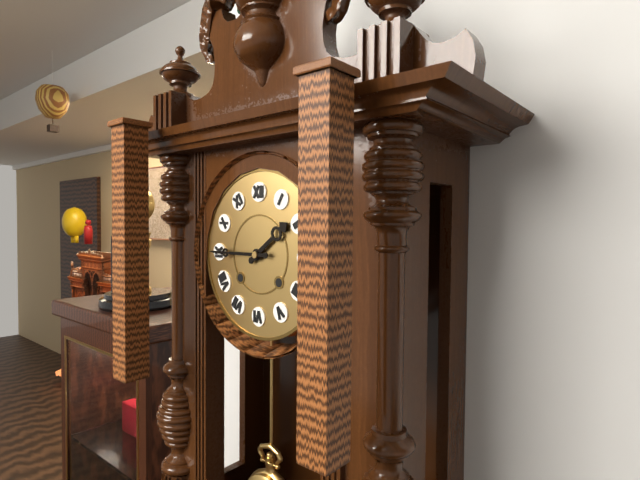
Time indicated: 1:45
